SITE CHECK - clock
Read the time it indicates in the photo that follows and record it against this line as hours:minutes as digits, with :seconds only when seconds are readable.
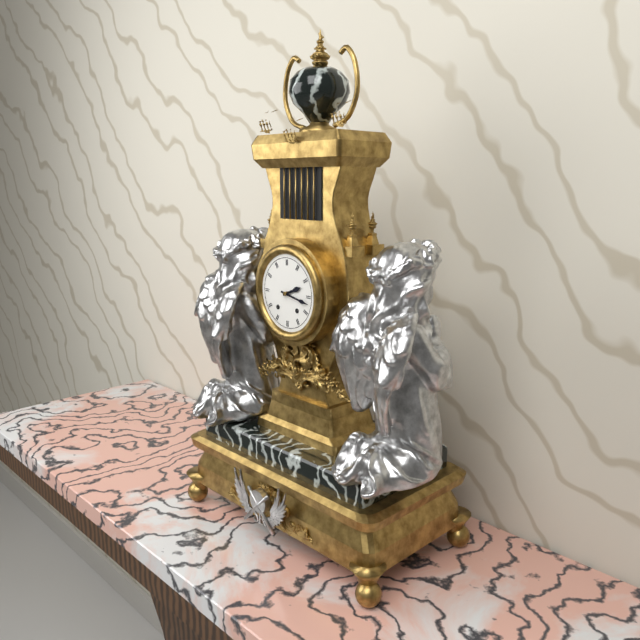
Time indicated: 2:17
